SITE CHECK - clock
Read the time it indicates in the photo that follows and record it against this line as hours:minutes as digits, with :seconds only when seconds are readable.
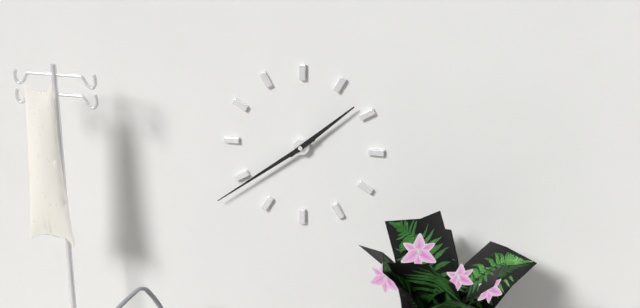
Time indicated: 1:39
